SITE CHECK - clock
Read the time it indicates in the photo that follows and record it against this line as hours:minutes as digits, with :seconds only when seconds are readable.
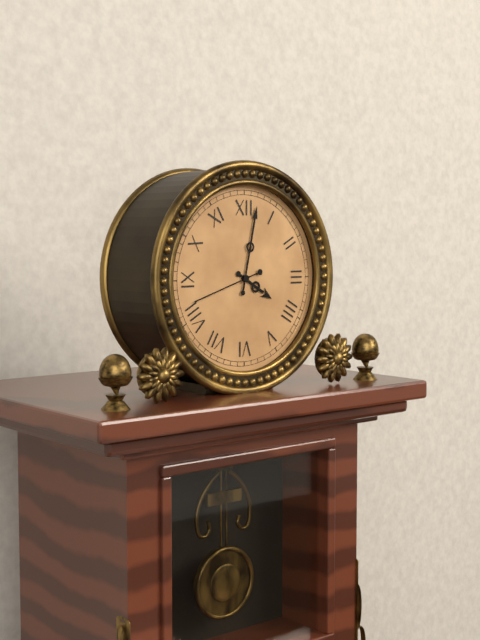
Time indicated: 4:02:42
